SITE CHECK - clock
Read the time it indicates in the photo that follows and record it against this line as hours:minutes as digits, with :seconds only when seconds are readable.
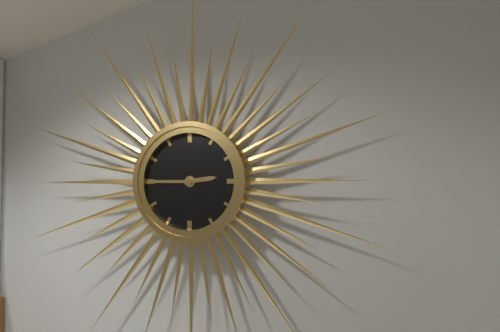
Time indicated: 2:45
